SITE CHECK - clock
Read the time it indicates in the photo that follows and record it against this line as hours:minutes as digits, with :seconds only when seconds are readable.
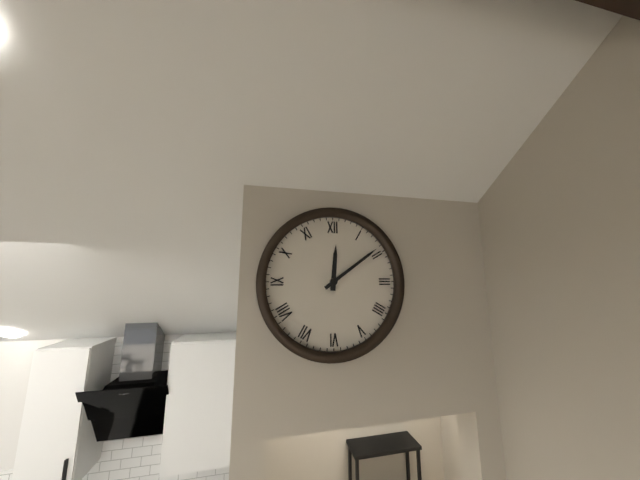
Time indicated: 12:09
